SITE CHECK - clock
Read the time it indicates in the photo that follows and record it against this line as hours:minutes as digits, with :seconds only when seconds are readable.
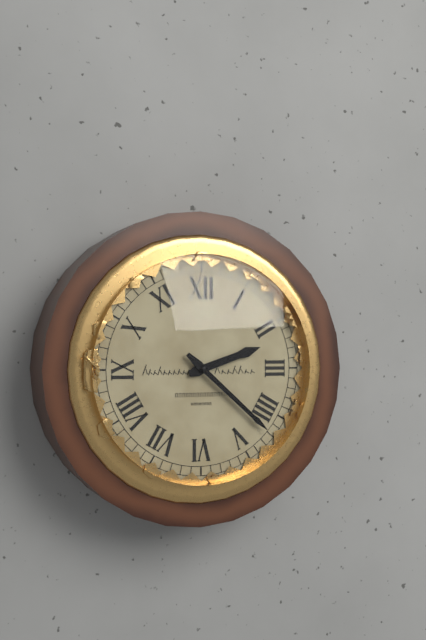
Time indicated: 2:22
